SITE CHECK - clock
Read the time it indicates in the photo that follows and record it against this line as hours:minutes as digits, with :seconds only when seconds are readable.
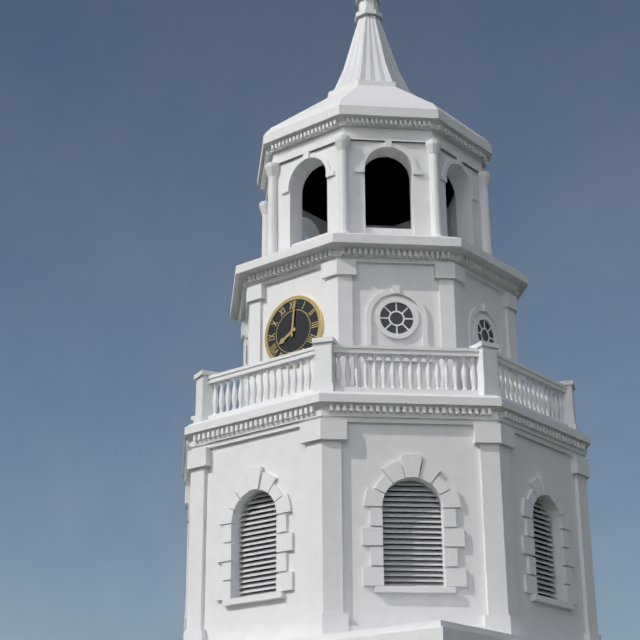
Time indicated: 8:01
